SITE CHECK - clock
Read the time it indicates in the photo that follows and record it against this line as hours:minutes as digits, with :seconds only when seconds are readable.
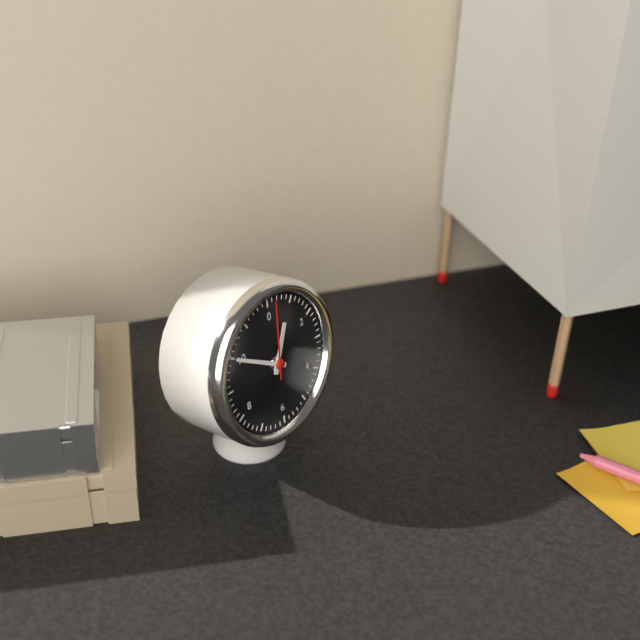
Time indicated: 12:50:01
